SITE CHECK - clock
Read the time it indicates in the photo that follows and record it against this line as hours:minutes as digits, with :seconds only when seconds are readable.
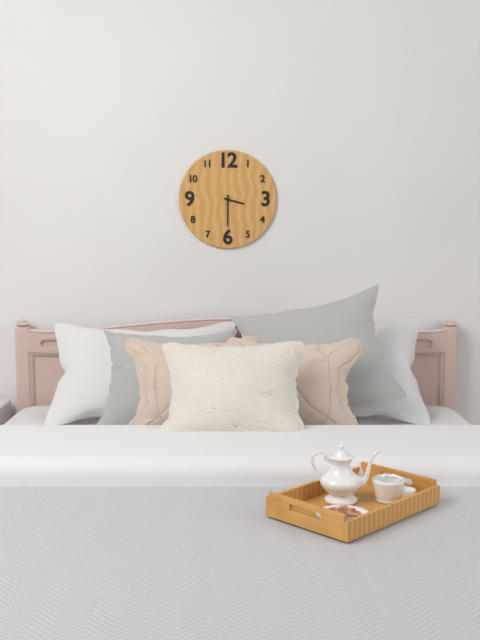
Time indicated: 3:30
